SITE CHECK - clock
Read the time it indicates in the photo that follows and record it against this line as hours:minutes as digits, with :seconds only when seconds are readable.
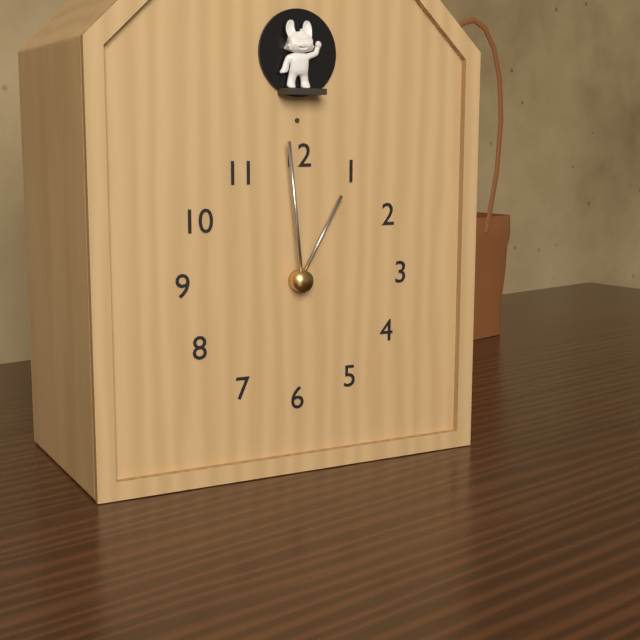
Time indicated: 12:59
